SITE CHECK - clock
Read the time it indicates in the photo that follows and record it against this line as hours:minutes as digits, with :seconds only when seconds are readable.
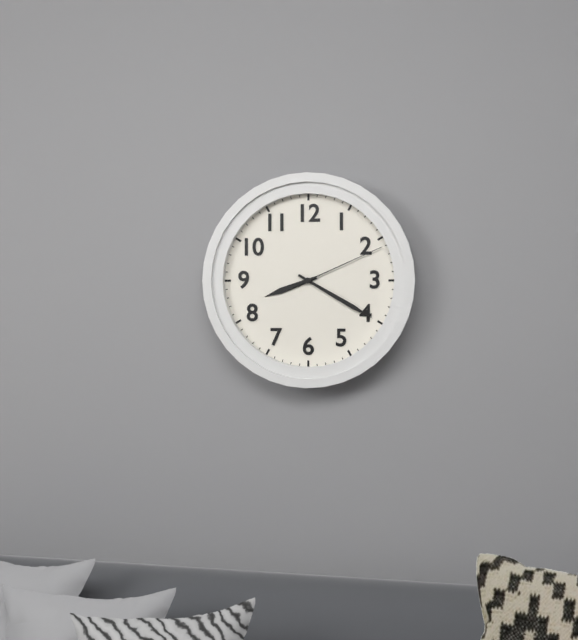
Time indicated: 8:20:11
